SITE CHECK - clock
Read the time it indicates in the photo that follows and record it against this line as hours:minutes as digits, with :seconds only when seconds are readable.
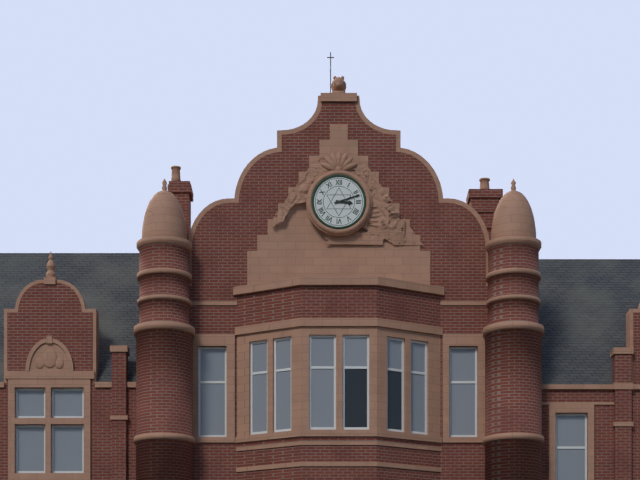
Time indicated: 3:12
